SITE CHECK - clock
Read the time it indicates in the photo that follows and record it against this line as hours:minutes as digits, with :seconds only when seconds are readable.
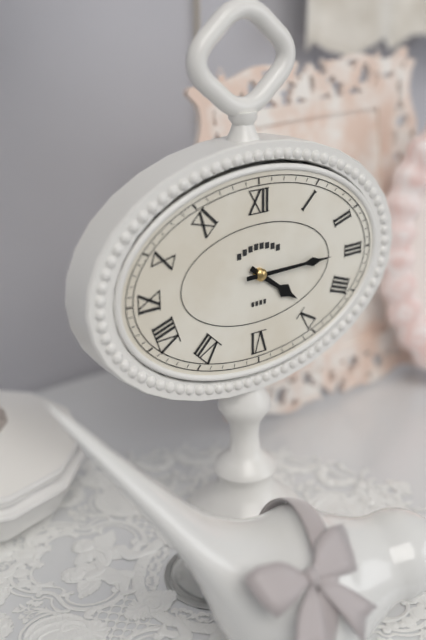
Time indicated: 4:15
